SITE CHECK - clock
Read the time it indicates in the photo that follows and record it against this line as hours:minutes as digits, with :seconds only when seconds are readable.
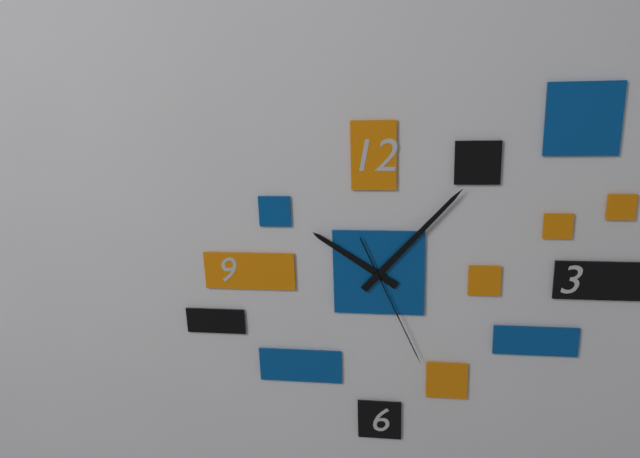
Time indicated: 10:07:26
